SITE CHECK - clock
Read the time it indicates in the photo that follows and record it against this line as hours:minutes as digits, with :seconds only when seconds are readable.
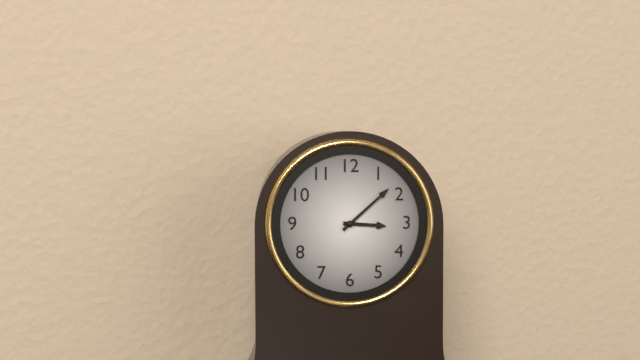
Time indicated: 3:08
